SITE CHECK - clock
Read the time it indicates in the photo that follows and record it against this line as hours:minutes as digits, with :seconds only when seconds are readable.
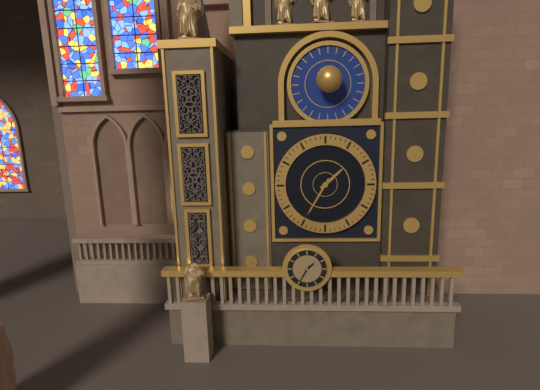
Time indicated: 1:35
